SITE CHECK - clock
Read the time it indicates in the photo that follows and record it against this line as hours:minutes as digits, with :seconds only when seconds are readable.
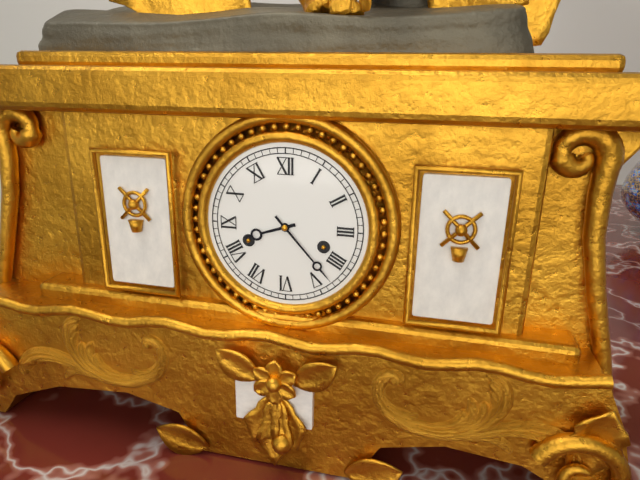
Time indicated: 8:23
